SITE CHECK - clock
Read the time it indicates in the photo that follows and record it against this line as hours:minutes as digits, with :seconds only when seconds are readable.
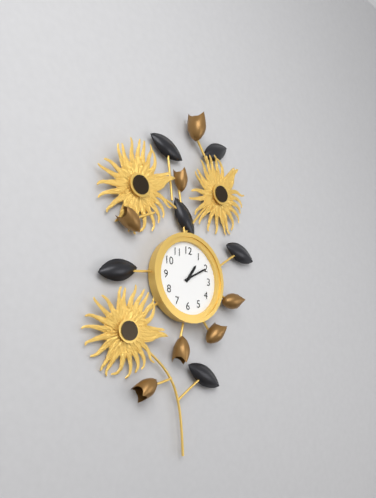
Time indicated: 1:10
